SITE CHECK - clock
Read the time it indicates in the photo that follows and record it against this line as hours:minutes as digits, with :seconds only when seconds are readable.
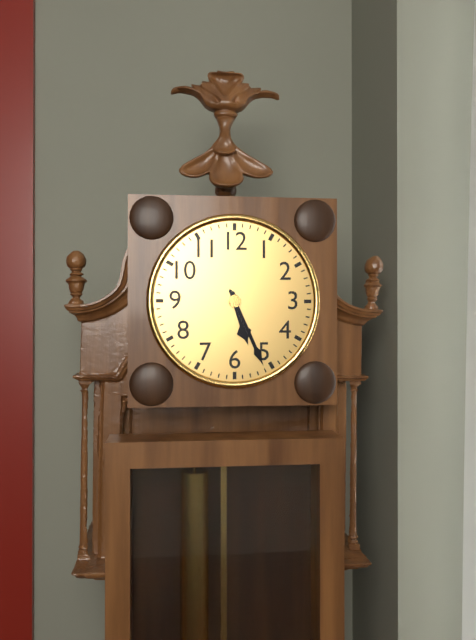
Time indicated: 5:26
